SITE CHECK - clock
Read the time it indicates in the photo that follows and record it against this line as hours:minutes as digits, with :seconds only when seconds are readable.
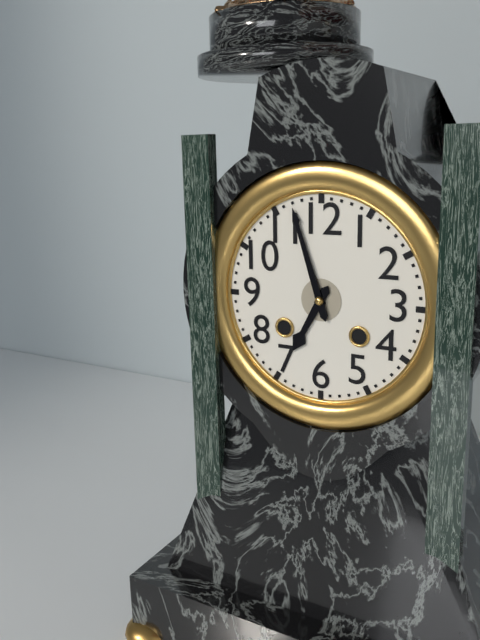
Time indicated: 6:57
